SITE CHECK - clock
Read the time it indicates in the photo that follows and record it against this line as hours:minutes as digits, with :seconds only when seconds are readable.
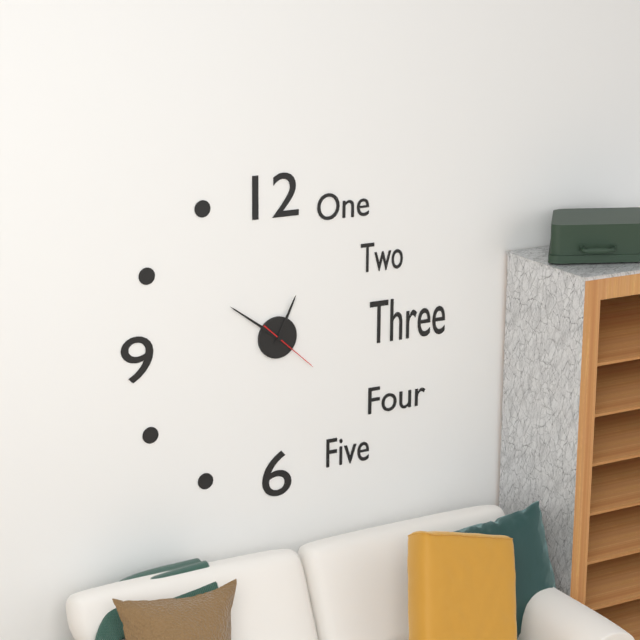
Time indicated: 12:51:22
